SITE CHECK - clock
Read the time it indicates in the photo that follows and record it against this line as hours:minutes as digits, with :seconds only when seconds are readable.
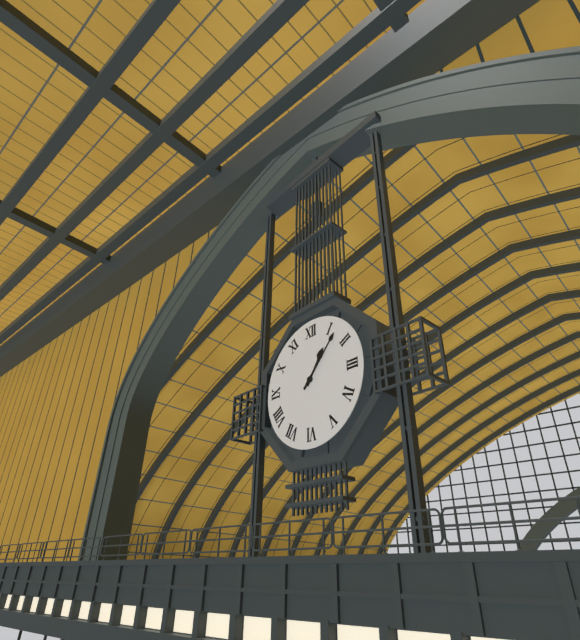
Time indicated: 1:07
